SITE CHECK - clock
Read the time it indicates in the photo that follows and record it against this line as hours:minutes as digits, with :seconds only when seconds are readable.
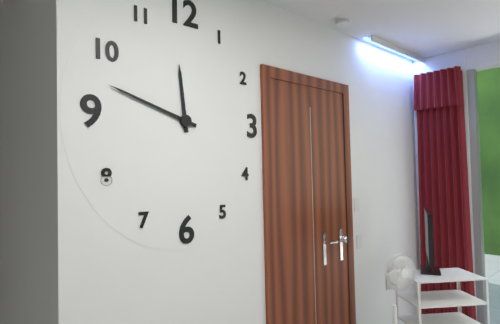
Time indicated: 11:48
